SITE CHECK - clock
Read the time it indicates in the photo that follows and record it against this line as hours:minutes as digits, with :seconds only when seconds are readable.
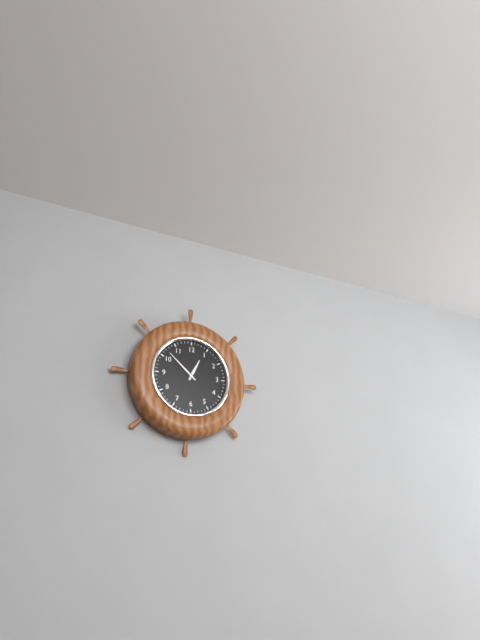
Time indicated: 12:52
